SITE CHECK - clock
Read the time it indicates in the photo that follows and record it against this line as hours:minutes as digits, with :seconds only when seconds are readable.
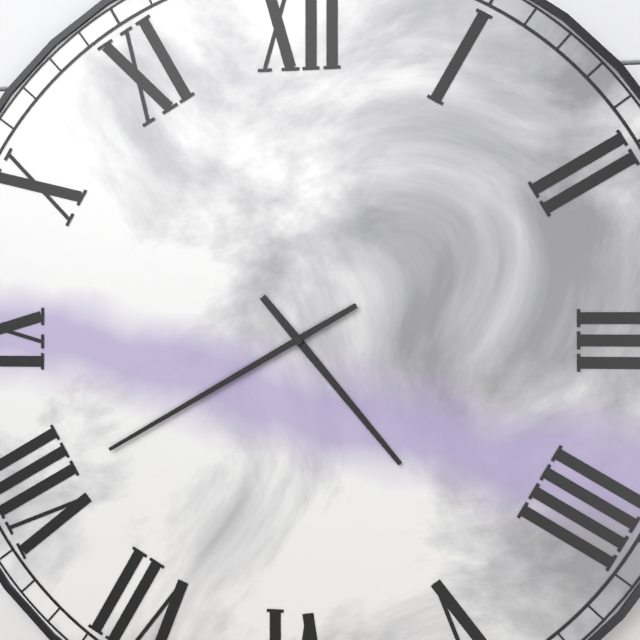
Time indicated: 4:40
